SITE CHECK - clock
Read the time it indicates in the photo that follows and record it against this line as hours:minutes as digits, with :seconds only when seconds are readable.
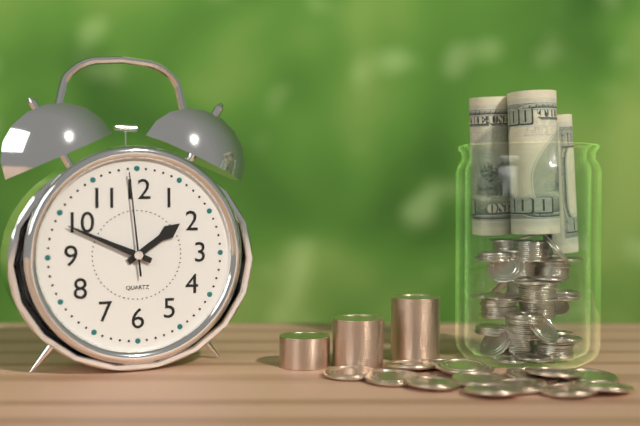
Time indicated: 1:49:59
